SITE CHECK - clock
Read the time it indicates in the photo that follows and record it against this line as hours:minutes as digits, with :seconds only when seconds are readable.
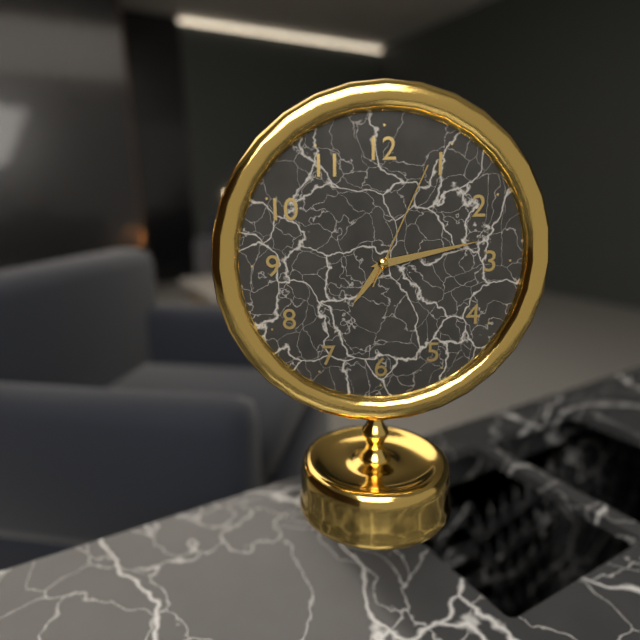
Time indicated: 7:13:04
